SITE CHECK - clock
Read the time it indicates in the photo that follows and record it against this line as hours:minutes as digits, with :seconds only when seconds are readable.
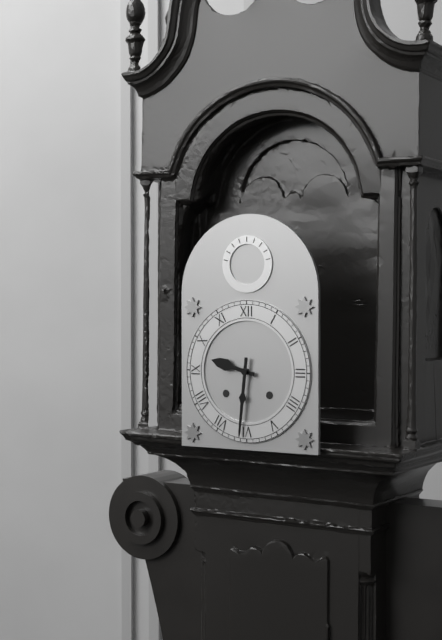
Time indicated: 9:31
